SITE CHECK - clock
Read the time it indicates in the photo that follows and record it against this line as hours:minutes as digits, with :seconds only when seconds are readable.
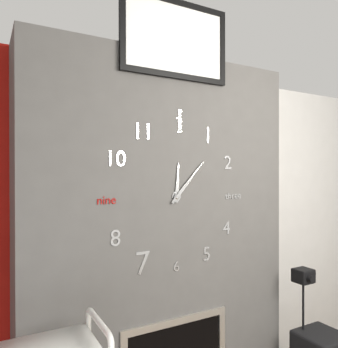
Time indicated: 12:07
